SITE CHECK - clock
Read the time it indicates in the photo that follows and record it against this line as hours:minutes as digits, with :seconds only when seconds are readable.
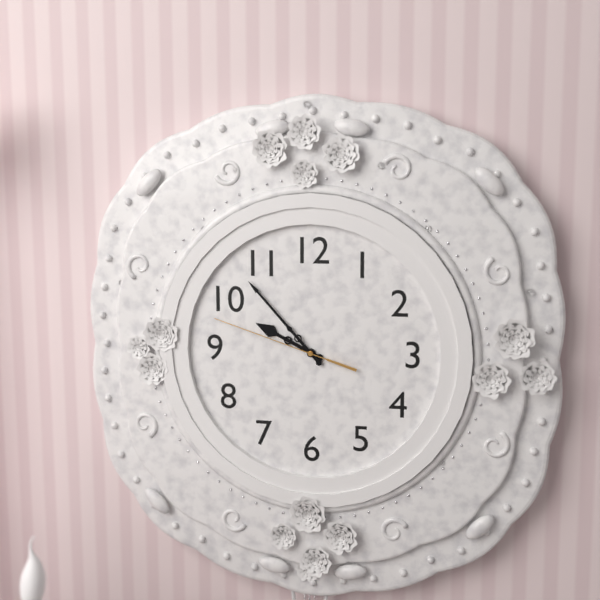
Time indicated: 9:53:48
